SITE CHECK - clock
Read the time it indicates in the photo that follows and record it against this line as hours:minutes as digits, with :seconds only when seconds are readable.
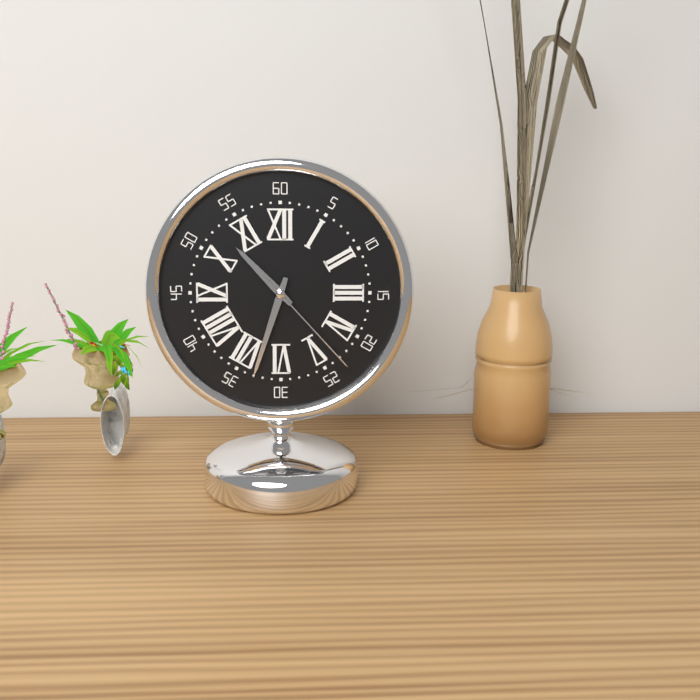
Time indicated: 10:33:23
